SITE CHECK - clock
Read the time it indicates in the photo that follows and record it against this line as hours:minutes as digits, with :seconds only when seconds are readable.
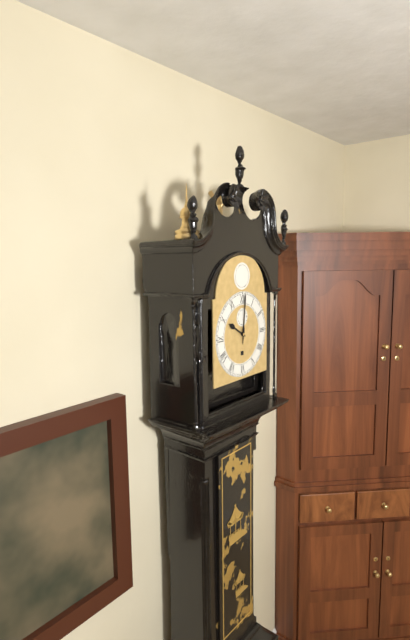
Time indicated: 10:01
